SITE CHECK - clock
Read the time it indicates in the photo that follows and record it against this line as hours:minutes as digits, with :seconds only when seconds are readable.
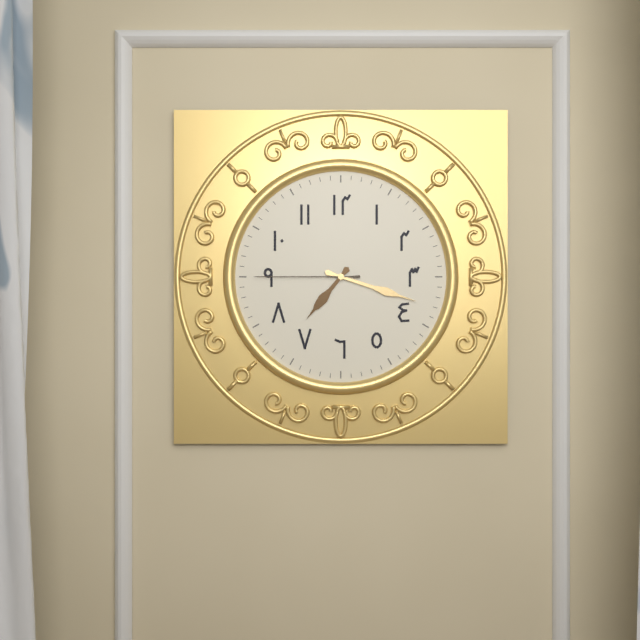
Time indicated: 7:18:45
